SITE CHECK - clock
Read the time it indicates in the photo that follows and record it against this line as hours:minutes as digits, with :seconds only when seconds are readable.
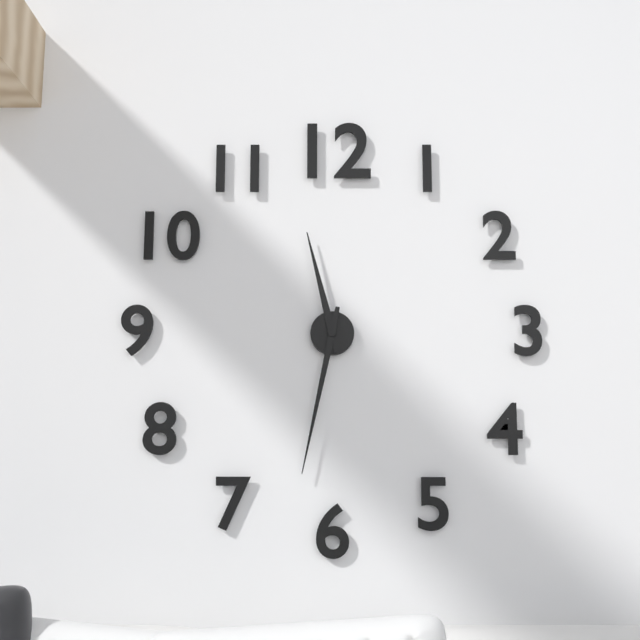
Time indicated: 11:32
